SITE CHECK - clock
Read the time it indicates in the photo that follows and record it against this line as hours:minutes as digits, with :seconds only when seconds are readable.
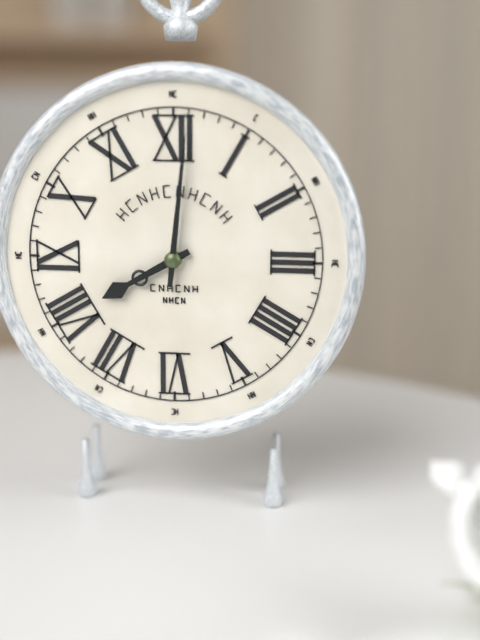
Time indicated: 8:01
